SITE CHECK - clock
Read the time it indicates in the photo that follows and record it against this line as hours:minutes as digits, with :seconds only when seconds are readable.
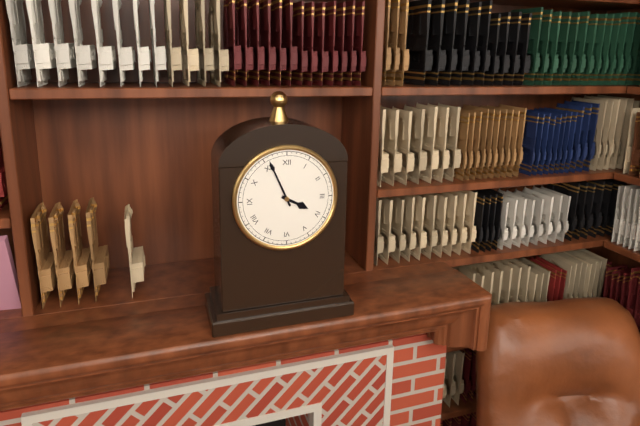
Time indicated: 3:56
